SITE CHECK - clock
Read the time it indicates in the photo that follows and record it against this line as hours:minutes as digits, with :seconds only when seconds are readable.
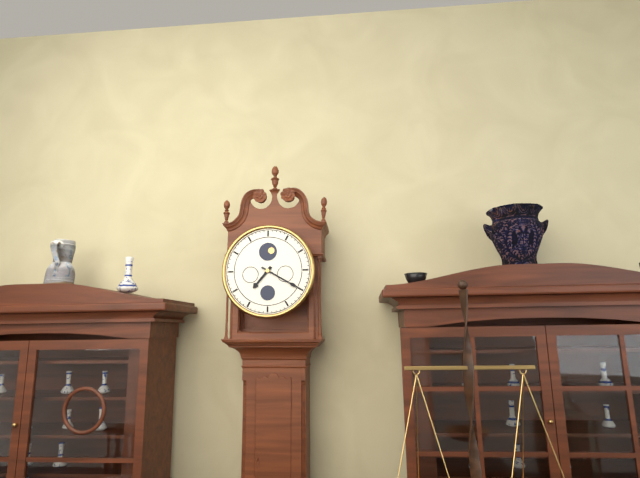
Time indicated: 7:20
